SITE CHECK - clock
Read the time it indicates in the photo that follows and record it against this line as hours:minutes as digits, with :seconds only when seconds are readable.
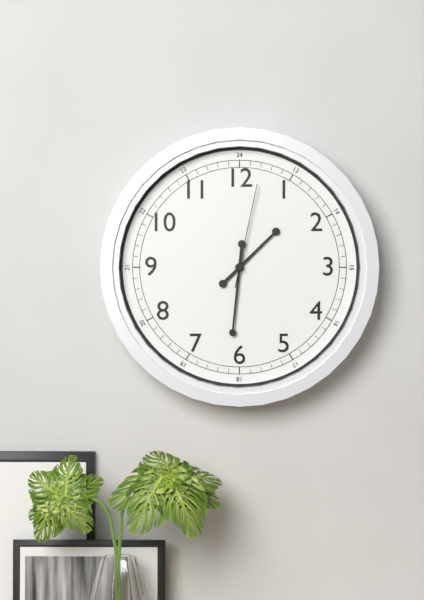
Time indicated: 1:31:02
